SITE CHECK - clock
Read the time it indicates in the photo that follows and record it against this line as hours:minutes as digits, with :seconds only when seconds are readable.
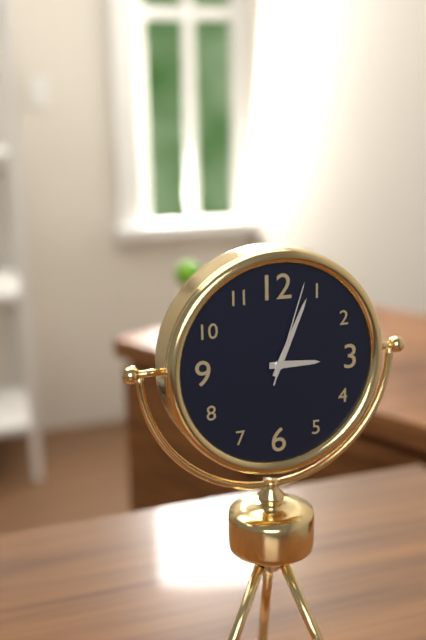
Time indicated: 3:04:03
